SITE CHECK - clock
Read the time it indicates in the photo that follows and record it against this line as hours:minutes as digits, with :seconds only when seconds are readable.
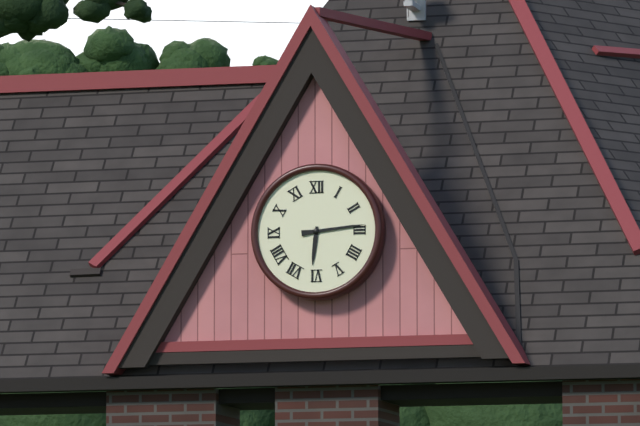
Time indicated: 6:14
